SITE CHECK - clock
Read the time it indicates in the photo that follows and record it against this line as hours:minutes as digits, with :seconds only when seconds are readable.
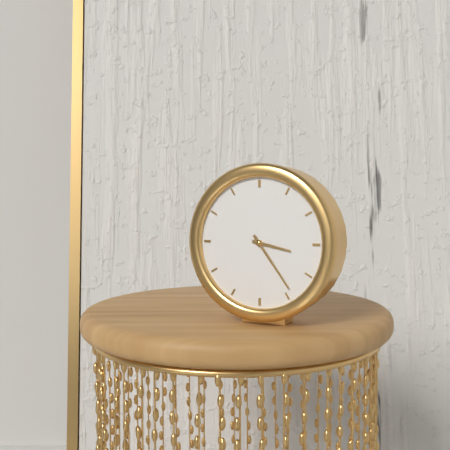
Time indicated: 3:24
